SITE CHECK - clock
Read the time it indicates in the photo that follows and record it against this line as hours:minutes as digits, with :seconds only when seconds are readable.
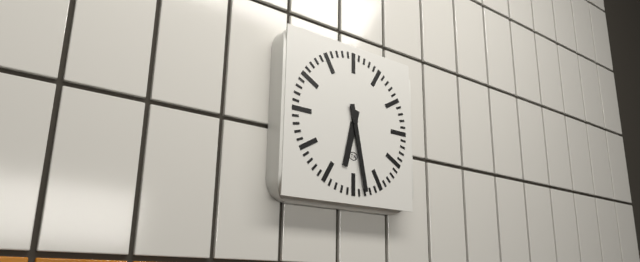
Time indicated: 6:28
